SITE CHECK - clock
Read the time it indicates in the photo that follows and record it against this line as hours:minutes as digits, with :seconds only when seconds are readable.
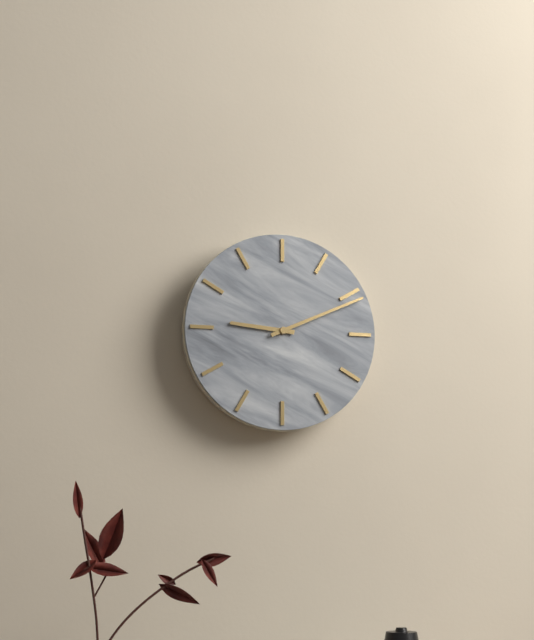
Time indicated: 9:11
